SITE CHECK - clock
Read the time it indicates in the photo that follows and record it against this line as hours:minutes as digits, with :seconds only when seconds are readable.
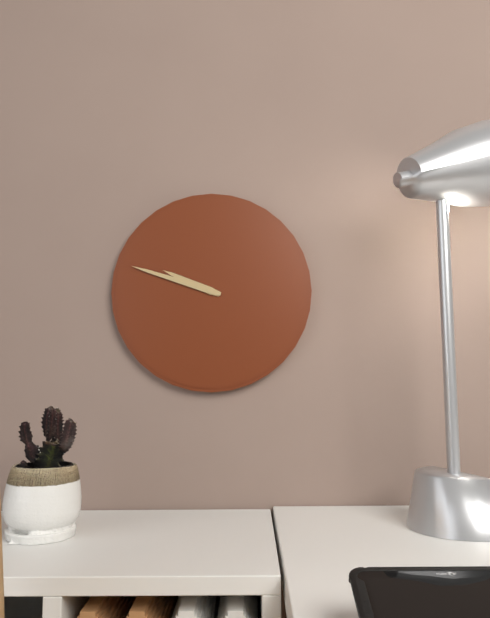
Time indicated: 9:48
